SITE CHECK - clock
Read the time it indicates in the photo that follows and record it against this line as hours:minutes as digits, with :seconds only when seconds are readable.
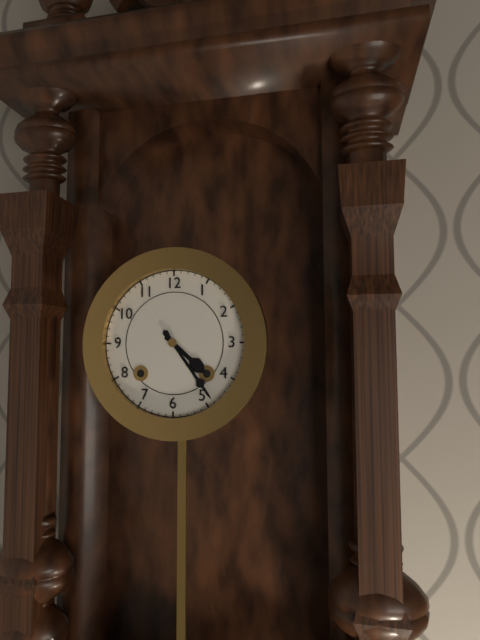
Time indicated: 4:24
